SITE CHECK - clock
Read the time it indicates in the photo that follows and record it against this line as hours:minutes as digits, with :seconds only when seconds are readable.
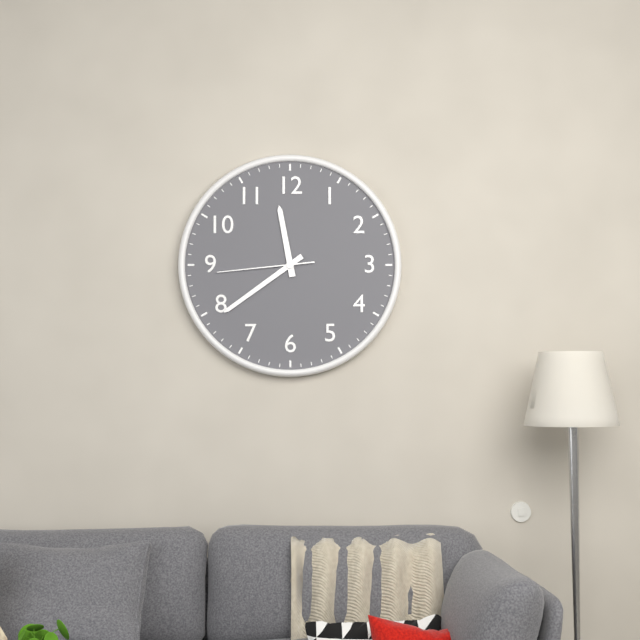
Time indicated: 11:39:44
